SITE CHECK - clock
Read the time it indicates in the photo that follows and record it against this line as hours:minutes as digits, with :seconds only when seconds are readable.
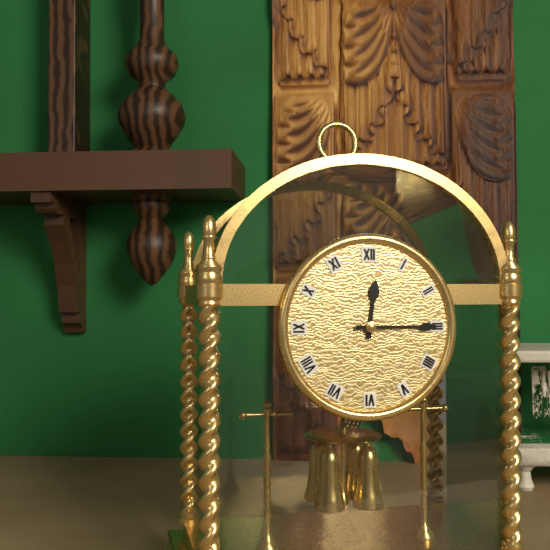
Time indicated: 12:15
